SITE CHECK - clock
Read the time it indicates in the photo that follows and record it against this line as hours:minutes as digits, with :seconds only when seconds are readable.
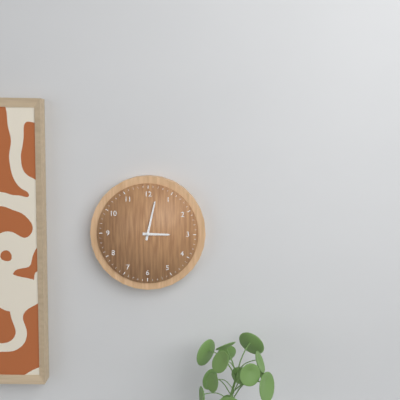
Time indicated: 3:02
